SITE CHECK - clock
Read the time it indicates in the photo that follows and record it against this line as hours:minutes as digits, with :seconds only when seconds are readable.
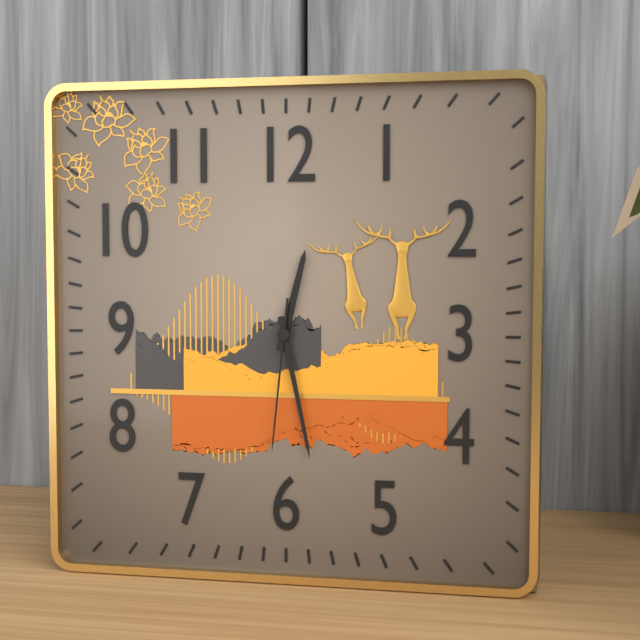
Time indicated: 12:28:31
